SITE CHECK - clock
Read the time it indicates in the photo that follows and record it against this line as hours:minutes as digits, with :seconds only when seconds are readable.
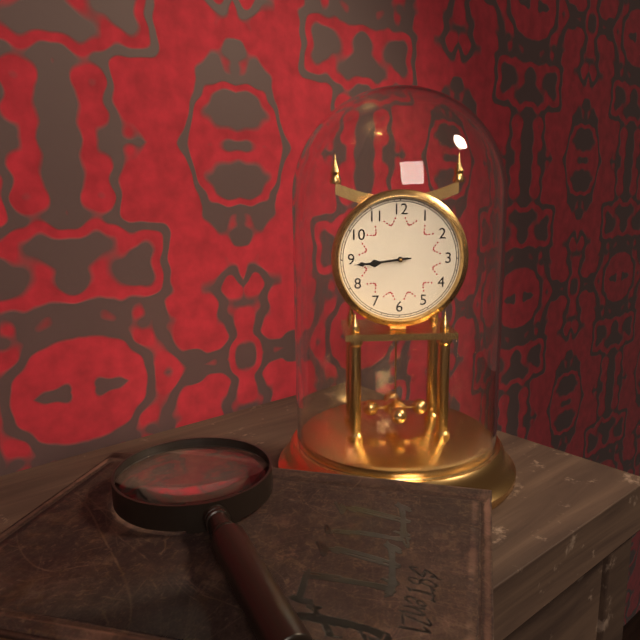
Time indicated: 8:44
